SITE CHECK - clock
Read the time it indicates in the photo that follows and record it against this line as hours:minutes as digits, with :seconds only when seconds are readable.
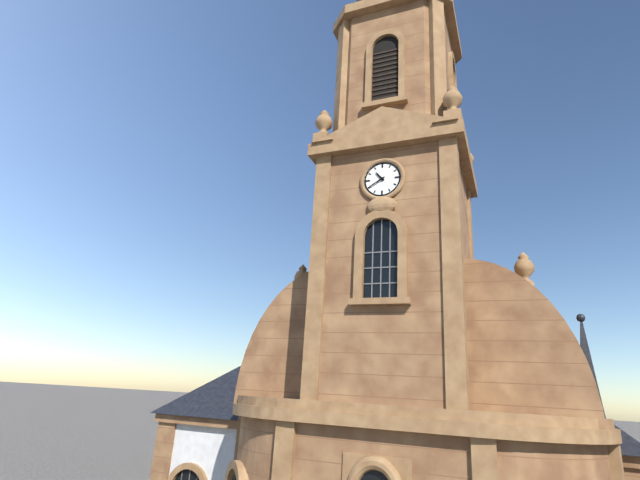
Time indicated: 10:40
